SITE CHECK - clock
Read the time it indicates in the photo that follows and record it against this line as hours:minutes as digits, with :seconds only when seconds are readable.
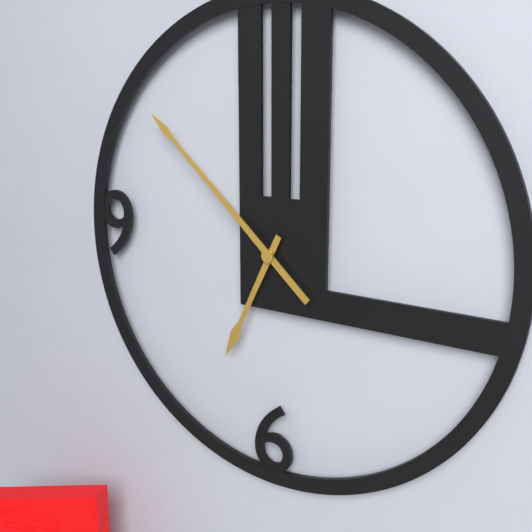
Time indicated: 6:52
